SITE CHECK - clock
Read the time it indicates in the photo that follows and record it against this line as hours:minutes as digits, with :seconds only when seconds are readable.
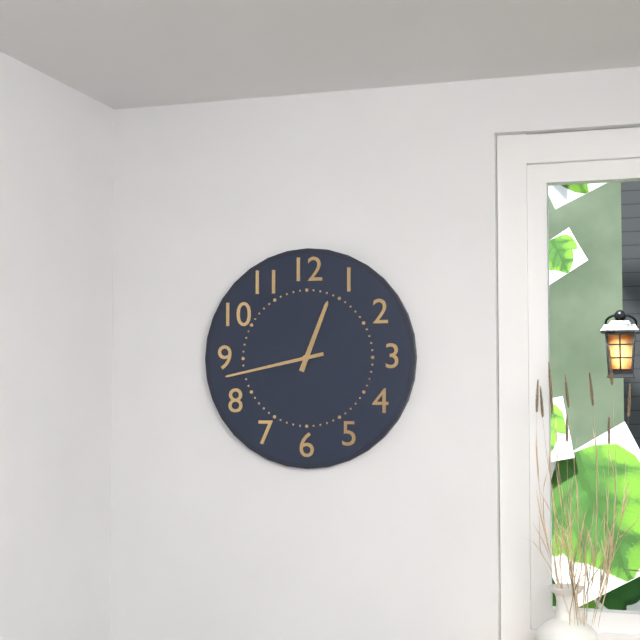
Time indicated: 12:43
